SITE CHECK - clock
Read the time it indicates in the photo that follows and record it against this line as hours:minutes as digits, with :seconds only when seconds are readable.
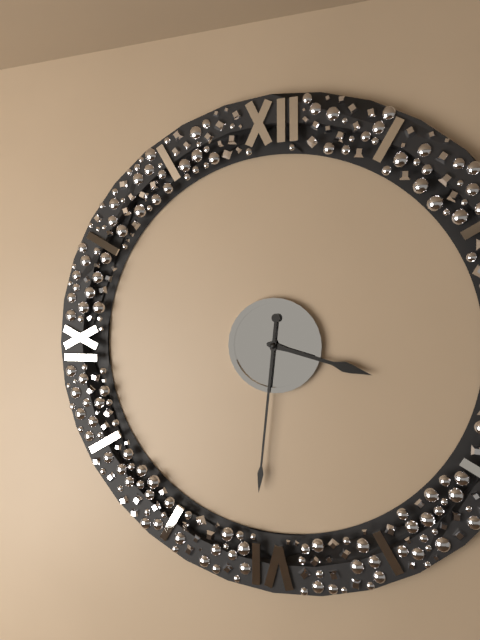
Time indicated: 3:31
